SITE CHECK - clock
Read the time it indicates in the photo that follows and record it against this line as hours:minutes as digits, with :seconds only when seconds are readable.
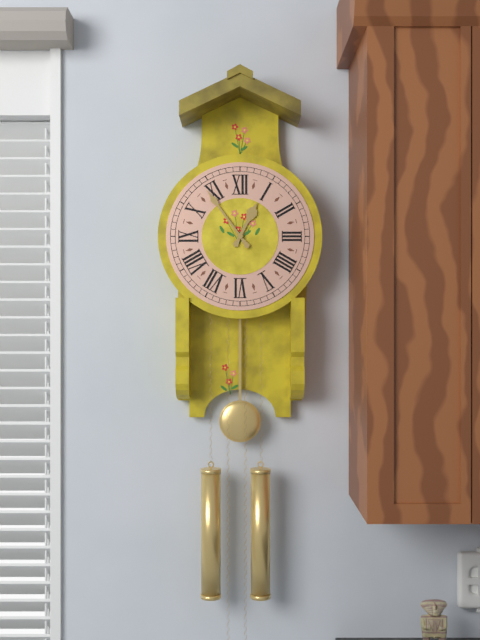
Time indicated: 12:54
